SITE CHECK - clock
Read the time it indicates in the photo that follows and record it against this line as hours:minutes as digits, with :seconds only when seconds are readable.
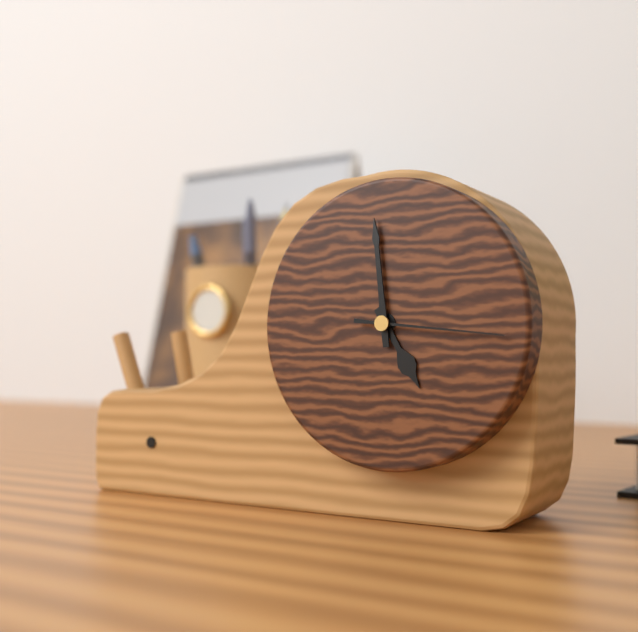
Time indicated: 4:59:16
